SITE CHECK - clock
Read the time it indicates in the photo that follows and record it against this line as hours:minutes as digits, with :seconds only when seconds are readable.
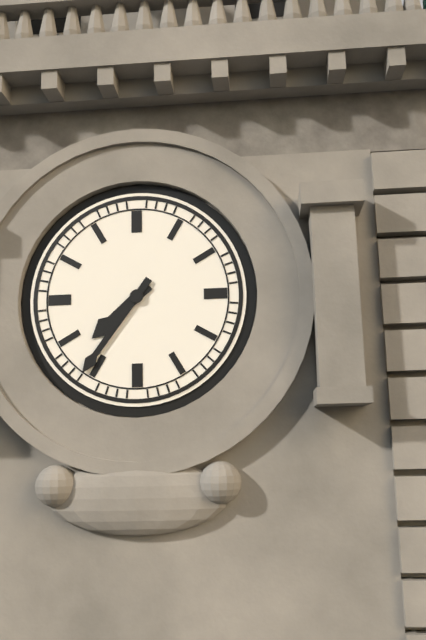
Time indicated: 7:36
